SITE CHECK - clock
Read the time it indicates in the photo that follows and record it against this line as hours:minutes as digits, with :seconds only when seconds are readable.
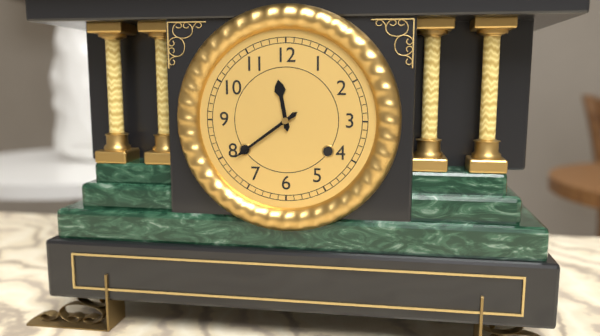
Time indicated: 11:39
